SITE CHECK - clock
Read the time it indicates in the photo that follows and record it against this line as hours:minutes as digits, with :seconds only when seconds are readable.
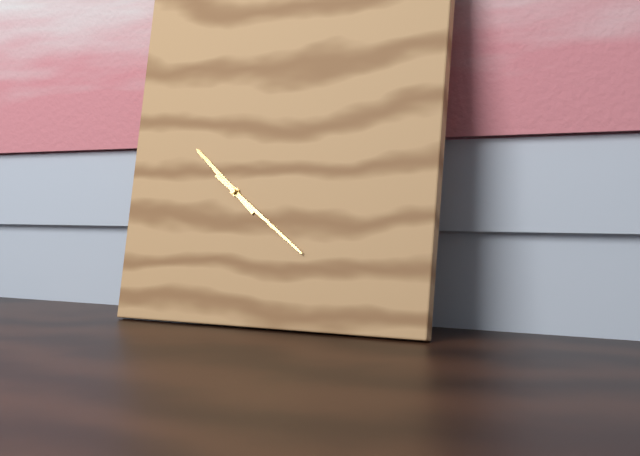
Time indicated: 10:21
